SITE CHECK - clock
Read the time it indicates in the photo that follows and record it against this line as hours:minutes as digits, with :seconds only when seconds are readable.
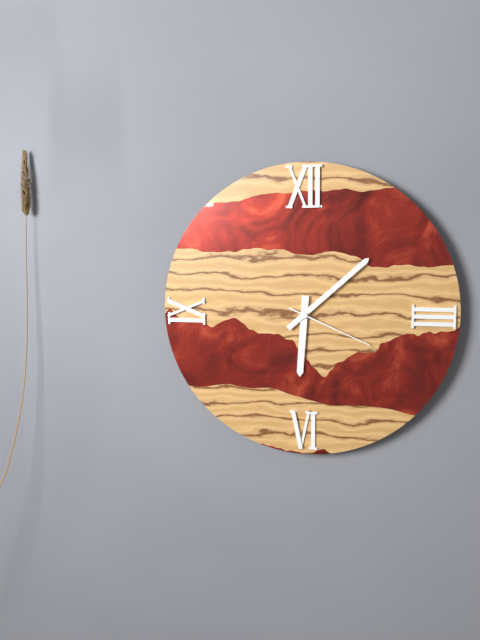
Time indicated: 6:08:19
